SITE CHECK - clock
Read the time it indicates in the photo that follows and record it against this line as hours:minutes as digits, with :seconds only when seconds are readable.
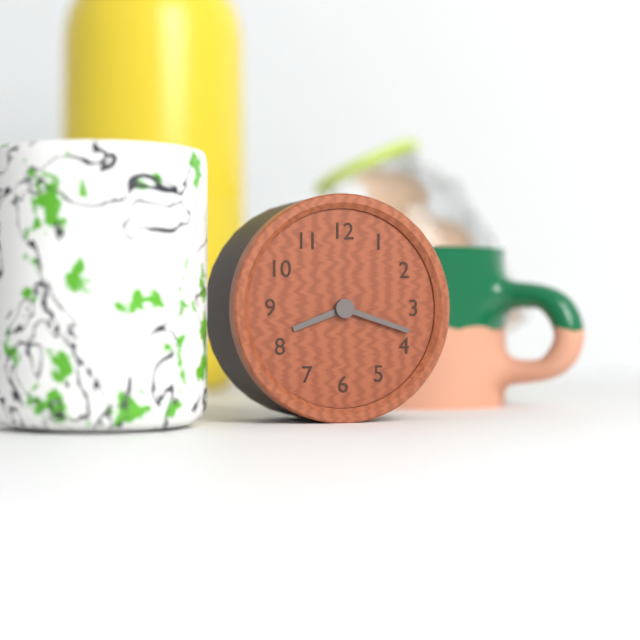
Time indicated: 8:18
